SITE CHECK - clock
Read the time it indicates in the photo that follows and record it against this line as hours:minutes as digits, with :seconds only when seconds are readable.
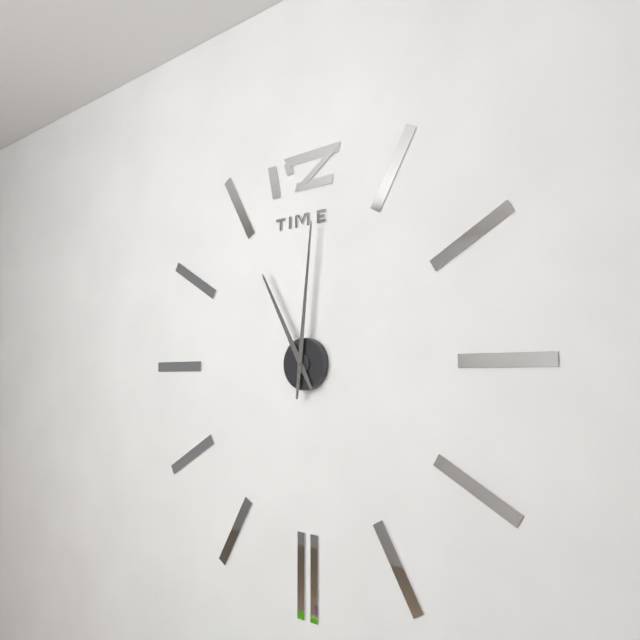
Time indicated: 11:01
